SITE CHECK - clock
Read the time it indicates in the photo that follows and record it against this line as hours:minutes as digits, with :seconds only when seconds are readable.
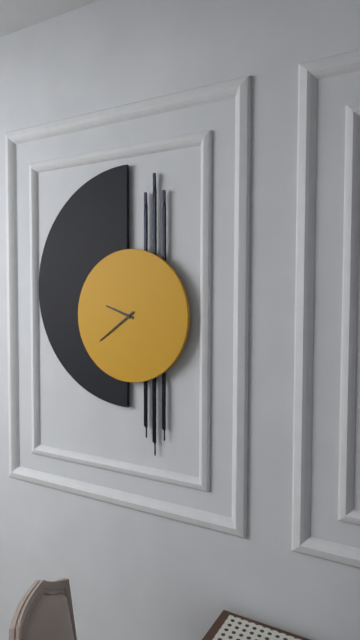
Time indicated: 9:39
